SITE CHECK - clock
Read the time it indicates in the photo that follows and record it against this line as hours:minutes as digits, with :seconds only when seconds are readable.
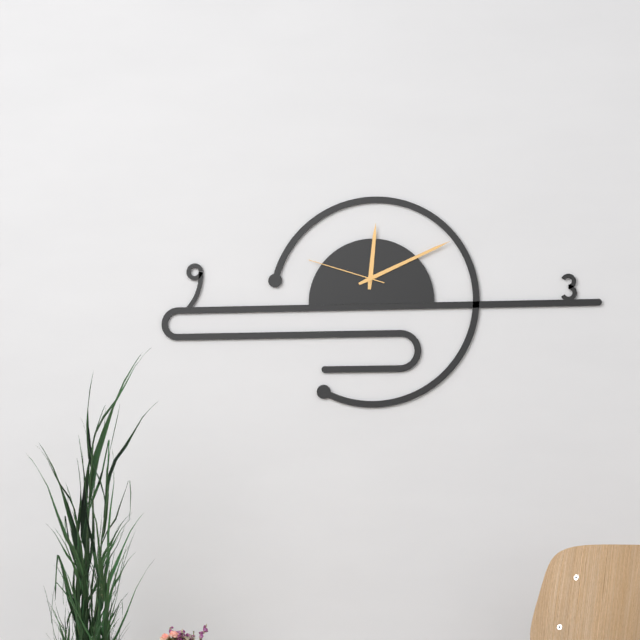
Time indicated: 12:11:48
